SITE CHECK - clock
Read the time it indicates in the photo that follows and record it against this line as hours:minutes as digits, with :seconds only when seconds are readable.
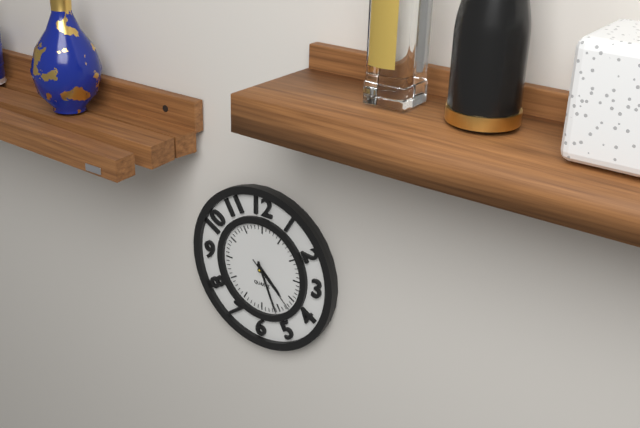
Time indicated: 4:26:22
